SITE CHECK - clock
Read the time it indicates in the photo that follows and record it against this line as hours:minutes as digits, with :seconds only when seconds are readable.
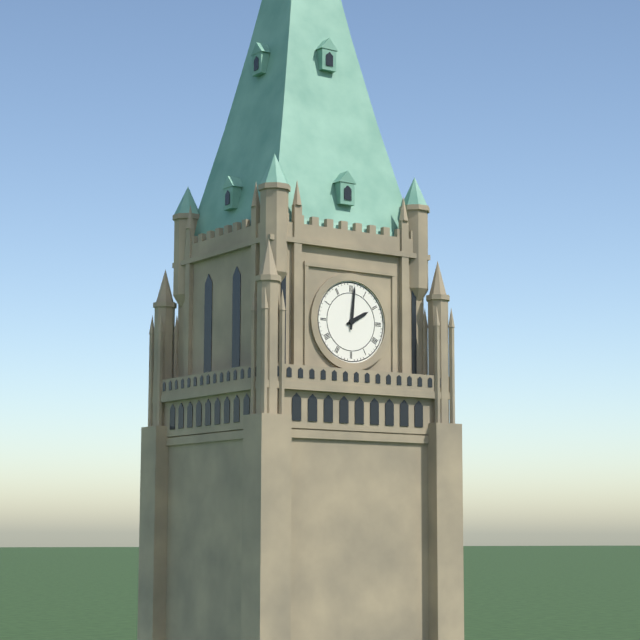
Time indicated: 2:01
